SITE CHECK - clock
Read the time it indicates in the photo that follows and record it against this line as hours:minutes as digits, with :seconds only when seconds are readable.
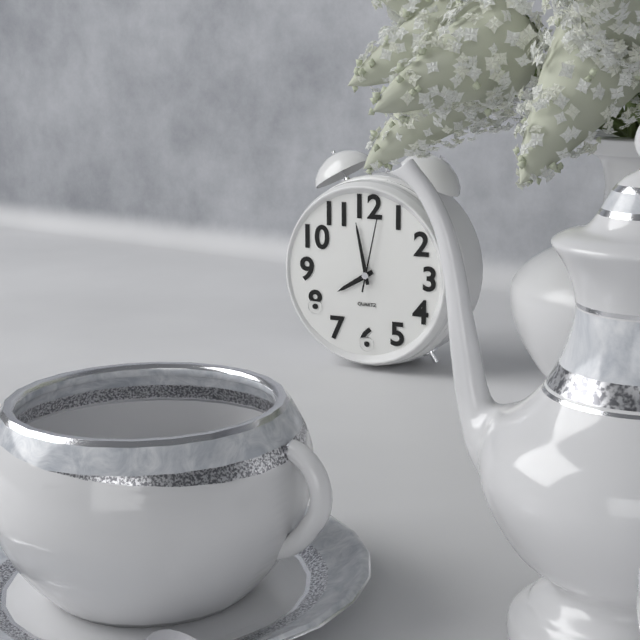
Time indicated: 7:58:02
